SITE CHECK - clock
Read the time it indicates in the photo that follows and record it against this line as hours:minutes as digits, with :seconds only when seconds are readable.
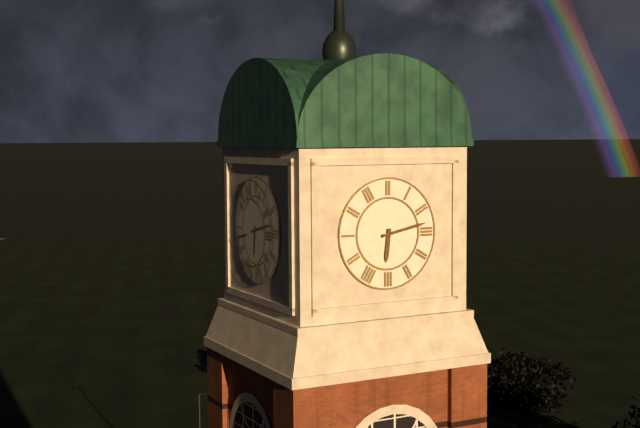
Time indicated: 6:13
